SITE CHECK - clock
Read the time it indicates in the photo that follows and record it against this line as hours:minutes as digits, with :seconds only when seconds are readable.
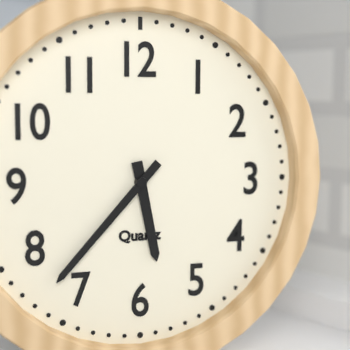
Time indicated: 5:37
